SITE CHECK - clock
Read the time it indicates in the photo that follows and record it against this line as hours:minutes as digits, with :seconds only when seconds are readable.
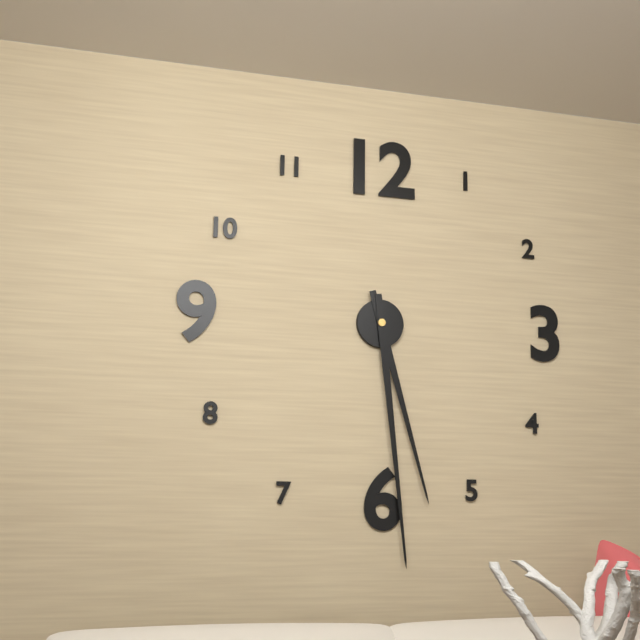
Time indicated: 5:29
